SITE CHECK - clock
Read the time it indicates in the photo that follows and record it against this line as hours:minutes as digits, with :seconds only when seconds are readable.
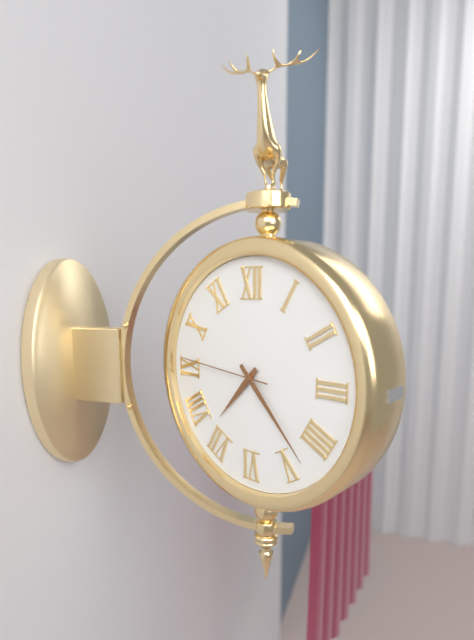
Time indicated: 7:23:46
